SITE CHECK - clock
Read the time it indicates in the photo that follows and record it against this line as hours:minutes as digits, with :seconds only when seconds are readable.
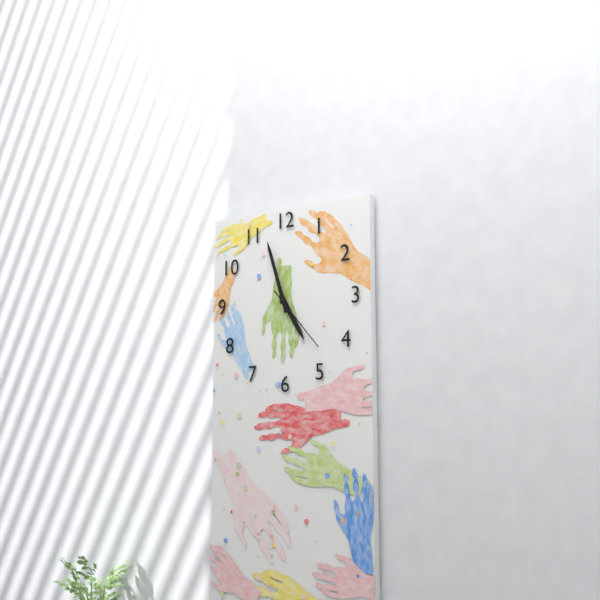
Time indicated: 4:57:23
